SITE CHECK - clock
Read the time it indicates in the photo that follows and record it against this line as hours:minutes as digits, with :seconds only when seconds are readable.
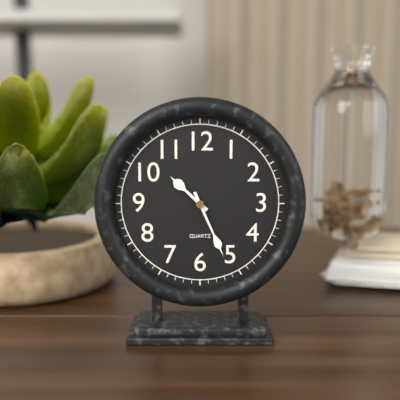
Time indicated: 10:26
